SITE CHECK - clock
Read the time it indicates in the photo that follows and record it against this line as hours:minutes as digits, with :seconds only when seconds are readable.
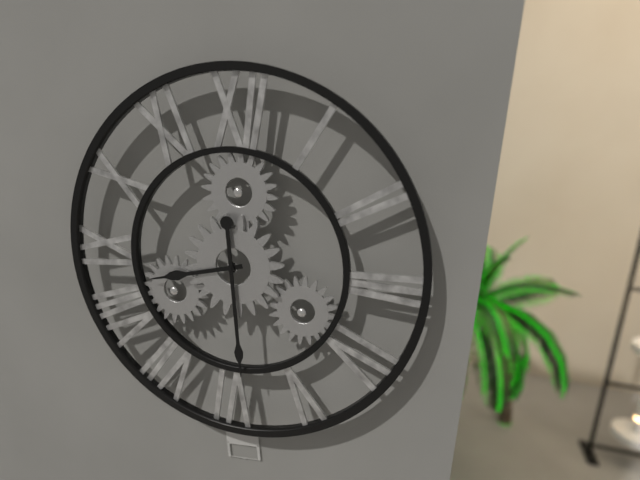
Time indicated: 8:29
